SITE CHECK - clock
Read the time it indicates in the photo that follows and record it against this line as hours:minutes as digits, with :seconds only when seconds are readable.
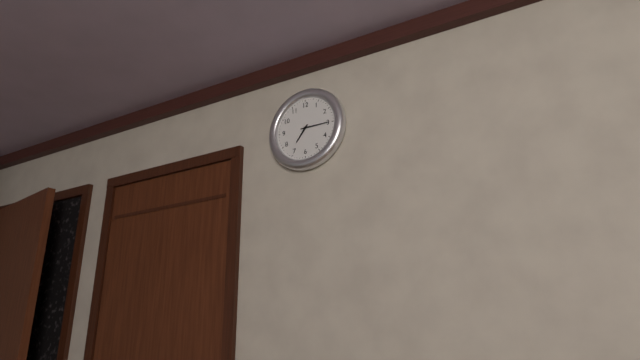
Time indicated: 7:15
